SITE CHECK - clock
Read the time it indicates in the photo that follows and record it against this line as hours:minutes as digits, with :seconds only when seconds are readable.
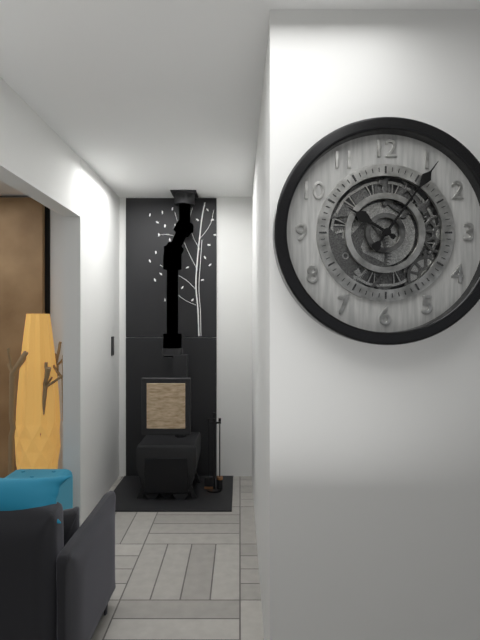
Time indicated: 10:06
